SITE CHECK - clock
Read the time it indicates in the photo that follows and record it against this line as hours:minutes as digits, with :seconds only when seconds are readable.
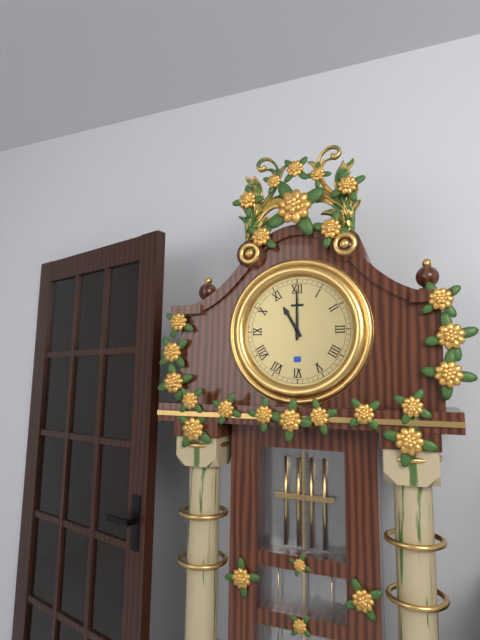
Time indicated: 11:00
